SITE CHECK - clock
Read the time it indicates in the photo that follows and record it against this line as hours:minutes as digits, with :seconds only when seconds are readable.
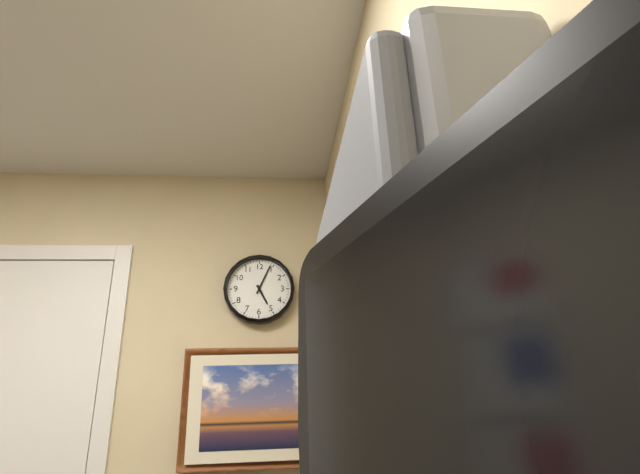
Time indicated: 5:04
